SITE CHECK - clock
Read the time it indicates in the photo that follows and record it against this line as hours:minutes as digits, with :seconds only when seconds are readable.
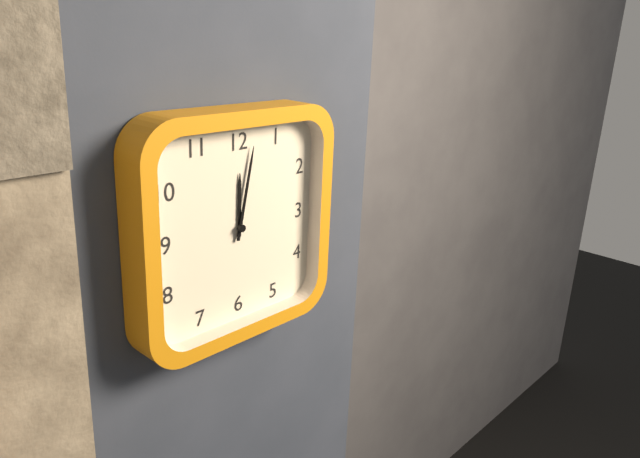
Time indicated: 12:02
